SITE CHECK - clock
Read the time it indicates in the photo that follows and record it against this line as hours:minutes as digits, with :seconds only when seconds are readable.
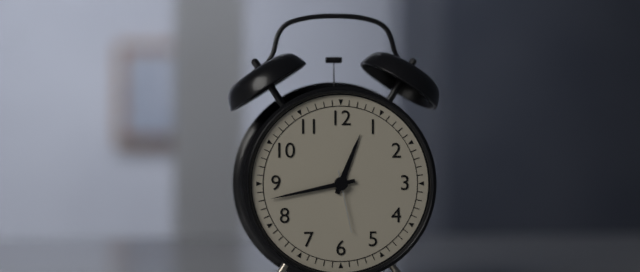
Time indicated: 12:43:28
